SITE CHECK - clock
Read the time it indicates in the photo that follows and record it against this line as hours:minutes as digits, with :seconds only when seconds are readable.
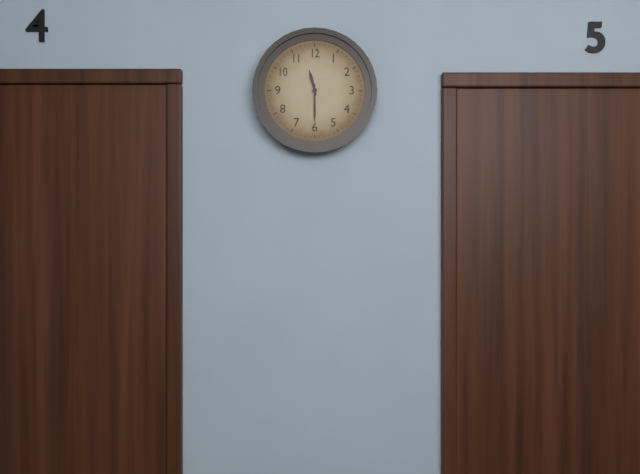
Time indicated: 11:30
